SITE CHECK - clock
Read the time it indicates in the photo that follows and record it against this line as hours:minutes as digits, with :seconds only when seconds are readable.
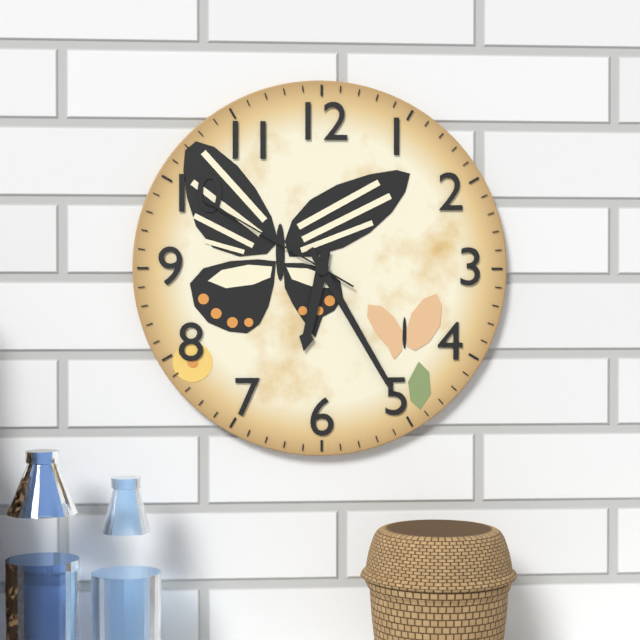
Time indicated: 6:25:50
